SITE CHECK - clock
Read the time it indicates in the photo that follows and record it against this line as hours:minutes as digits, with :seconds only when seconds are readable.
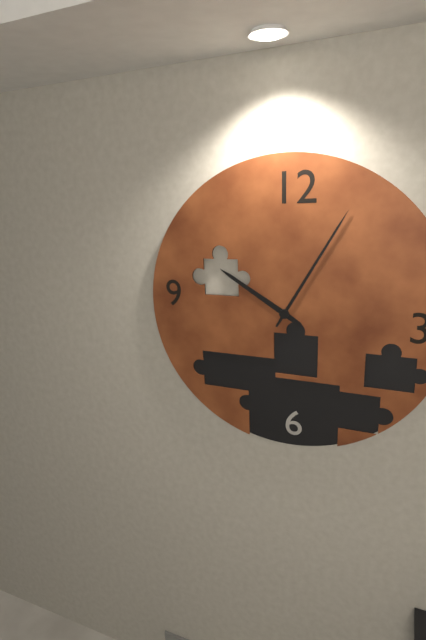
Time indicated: 10:05
